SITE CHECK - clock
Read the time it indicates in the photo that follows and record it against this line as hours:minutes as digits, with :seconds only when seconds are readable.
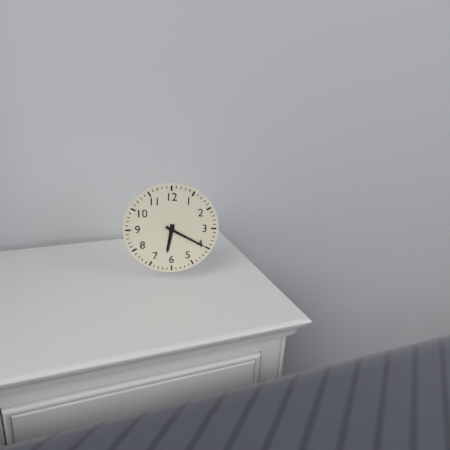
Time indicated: 6:20
